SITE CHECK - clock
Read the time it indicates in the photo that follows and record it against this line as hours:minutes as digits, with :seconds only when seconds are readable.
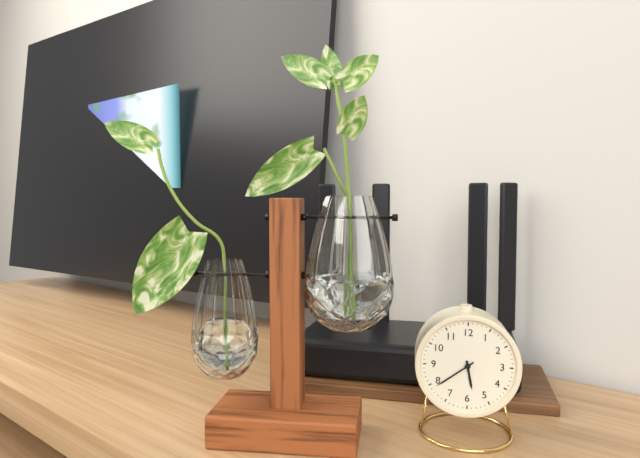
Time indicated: 5:39
